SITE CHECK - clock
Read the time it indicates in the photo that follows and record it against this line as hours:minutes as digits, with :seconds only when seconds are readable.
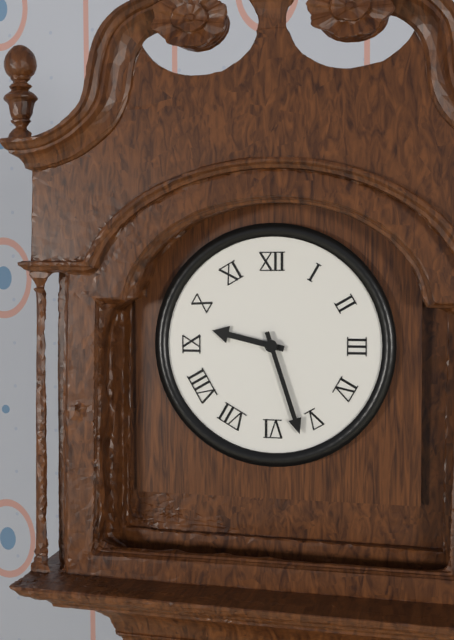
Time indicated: 9:27
